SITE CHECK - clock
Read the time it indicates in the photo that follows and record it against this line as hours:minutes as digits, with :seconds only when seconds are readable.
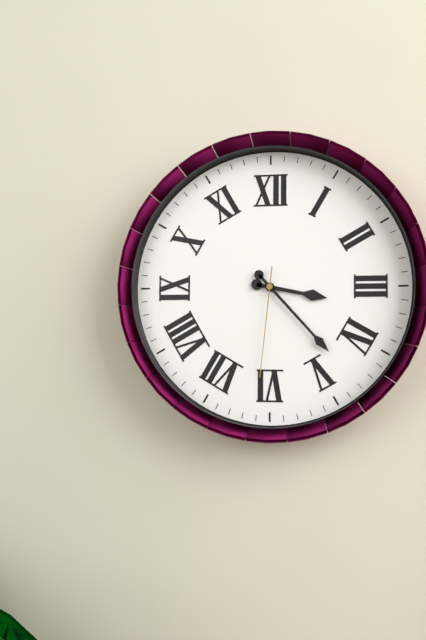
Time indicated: 3:23:31
